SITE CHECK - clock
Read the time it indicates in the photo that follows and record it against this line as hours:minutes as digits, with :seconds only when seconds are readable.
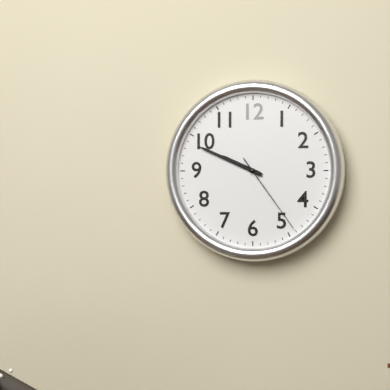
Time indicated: 9:49:24
